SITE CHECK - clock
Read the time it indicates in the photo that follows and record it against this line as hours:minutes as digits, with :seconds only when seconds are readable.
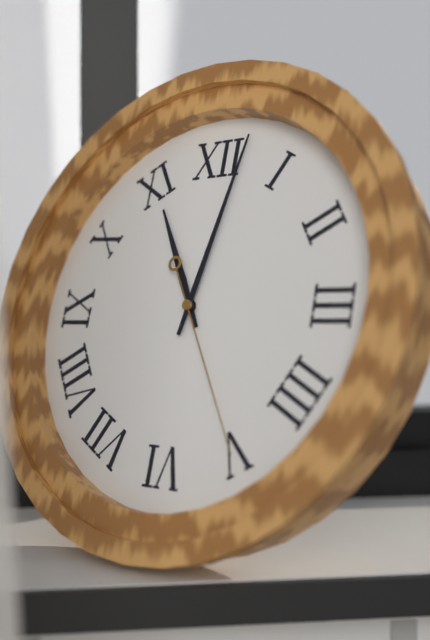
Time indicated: 11:02:25
